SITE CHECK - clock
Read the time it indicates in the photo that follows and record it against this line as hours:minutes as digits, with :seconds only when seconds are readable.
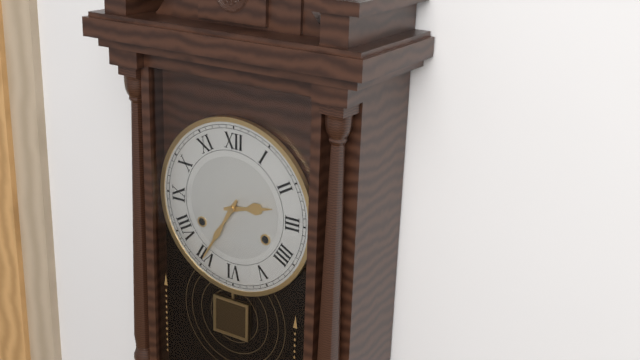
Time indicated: 2:35
